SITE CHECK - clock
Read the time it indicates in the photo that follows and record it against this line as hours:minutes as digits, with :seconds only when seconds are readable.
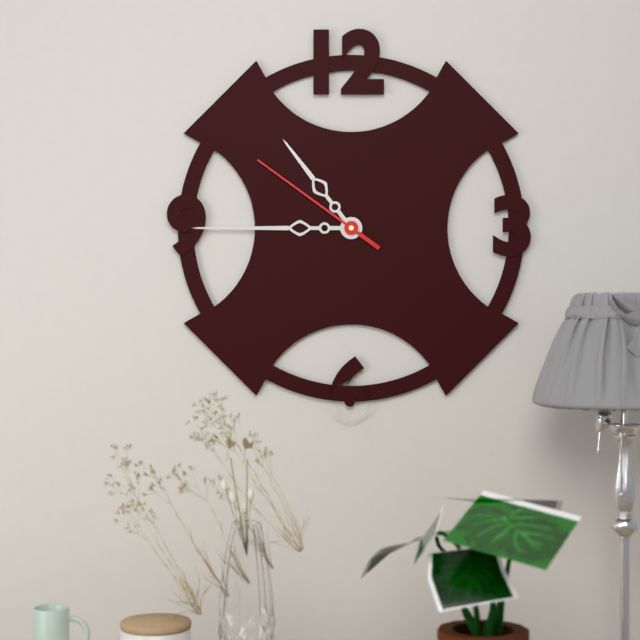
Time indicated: 10:45:51
